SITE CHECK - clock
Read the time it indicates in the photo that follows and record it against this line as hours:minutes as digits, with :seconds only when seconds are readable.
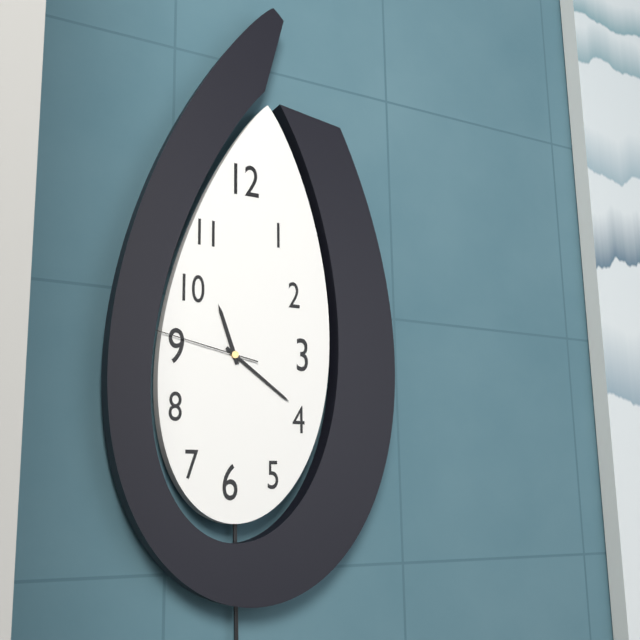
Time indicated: 11:21:47
